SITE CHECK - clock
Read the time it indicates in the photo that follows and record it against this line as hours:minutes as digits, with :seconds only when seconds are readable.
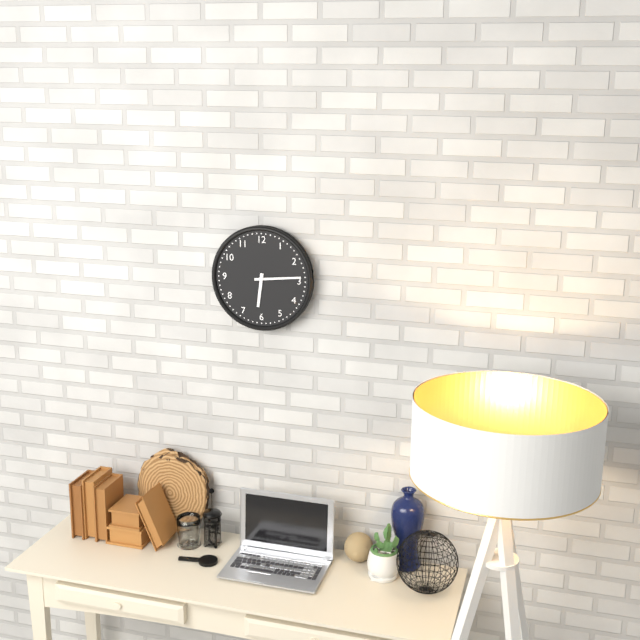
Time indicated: 6:14
